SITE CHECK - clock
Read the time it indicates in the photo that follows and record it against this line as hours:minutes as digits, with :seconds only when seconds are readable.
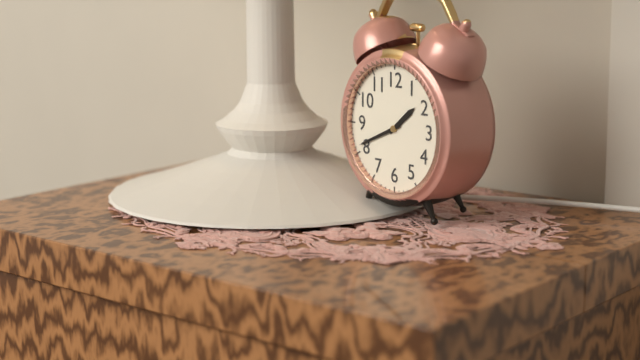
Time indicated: 1:41
